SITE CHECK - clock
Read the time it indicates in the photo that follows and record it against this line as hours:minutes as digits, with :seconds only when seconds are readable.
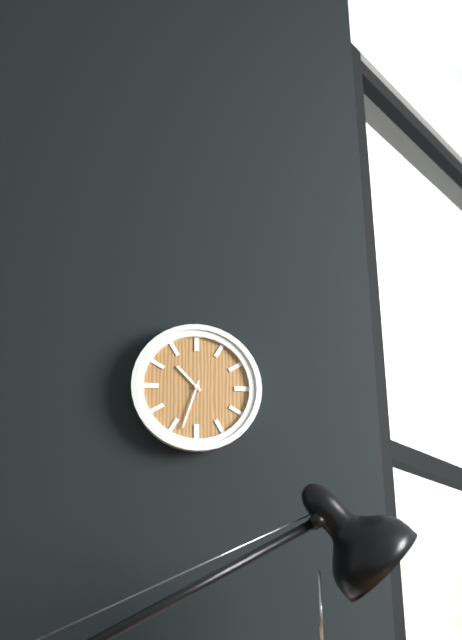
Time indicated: 10:33
